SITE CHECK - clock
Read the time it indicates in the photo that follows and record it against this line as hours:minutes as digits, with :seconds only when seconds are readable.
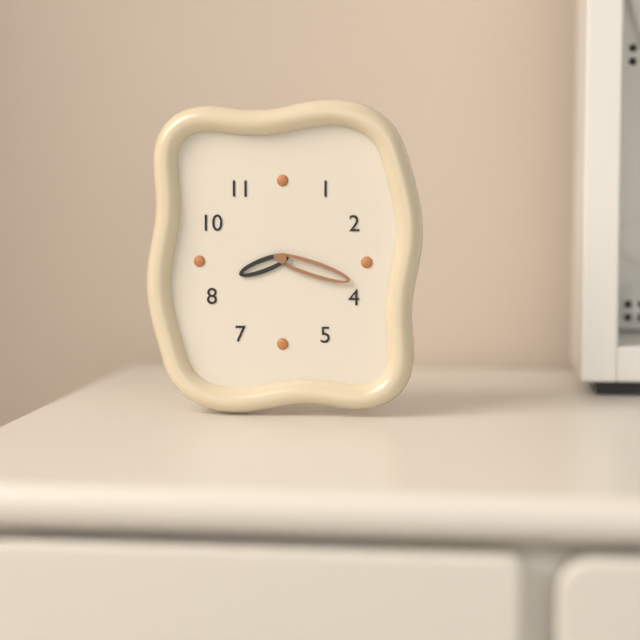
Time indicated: 8:18
